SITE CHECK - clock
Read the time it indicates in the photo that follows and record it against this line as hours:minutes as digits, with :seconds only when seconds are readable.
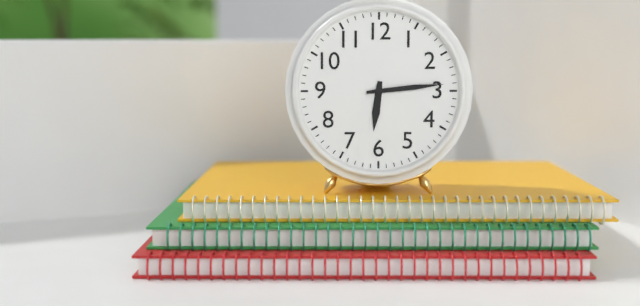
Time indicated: 6:14
